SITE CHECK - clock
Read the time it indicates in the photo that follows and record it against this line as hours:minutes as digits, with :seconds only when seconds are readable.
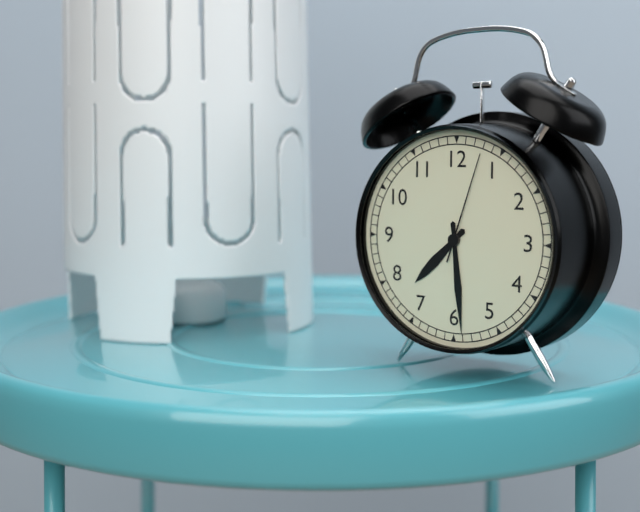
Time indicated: 7:29:03
